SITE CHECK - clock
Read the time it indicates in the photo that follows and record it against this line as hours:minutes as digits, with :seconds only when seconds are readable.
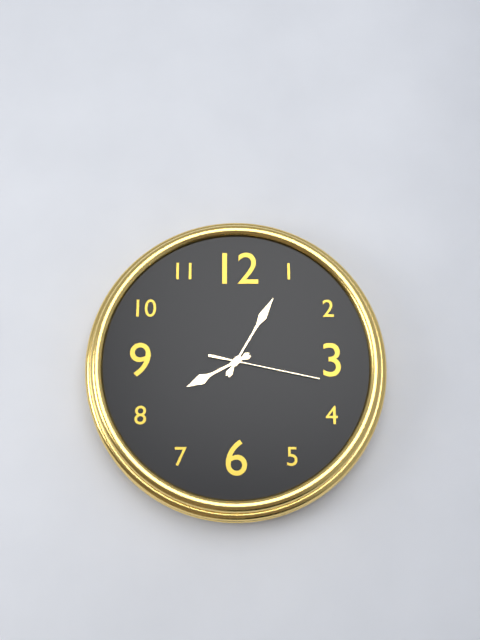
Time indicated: 8:05:17
